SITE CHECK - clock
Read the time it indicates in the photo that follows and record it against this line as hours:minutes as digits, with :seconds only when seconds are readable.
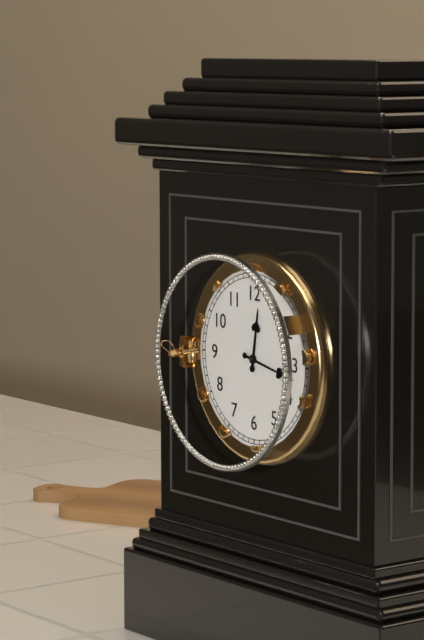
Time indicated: 12:17
